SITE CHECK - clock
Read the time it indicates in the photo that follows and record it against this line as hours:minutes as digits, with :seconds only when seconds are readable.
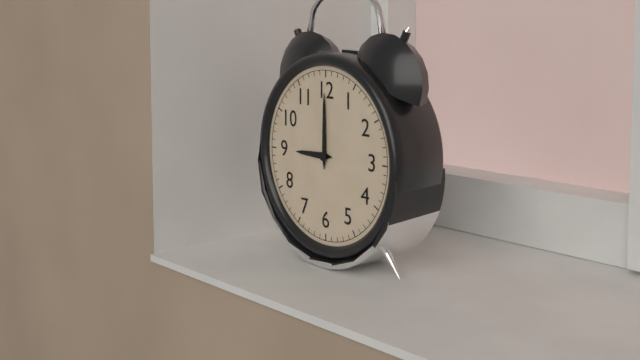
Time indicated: 9:00
